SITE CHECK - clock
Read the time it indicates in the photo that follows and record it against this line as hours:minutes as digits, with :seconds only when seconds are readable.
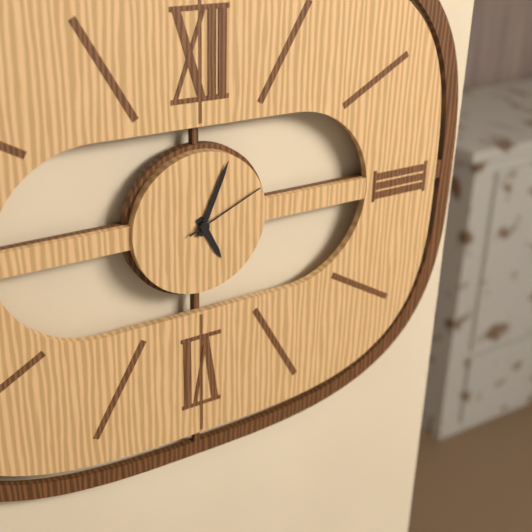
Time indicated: 5:04:11
